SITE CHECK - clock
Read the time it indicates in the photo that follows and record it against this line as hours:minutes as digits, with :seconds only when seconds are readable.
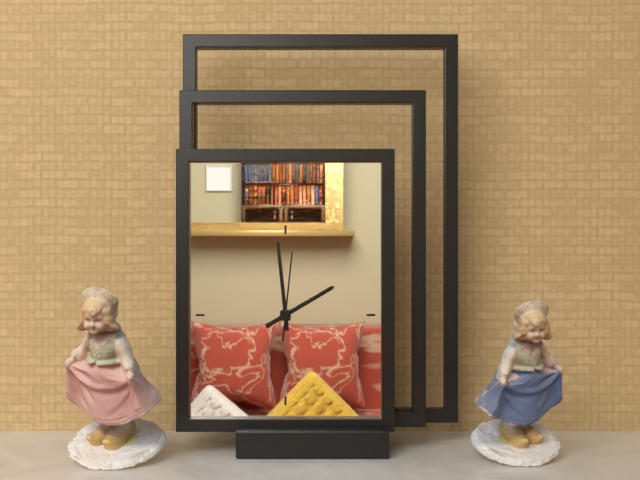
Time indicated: 1:59:01
